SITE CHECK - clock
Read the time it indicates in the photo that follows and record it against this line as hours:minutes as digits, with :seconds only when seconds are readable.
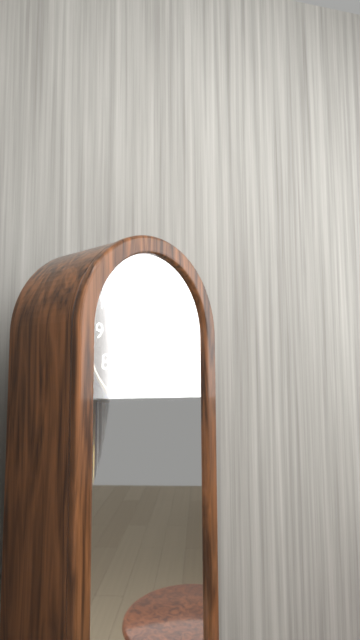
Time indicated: 4:59
